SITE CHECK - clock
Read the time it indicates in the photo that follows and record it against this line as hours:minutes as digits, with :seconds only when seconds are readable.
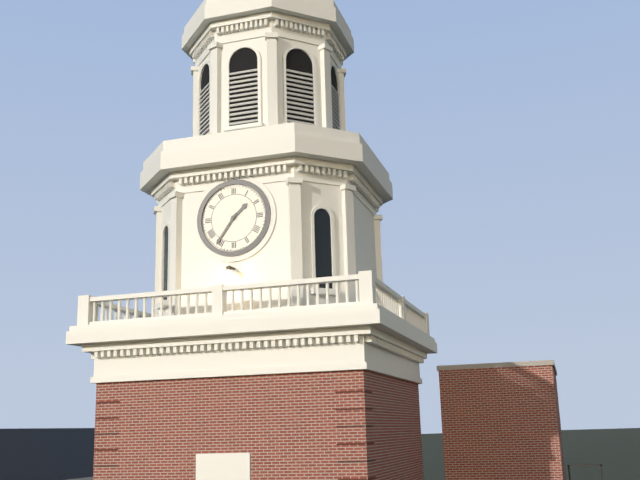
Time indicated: 1:36
